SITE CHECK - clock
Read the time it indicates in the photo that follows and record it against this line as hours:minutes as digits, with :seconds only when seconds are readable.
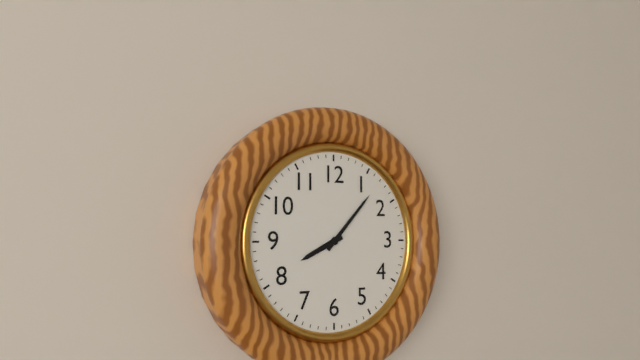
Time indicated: 8:07
